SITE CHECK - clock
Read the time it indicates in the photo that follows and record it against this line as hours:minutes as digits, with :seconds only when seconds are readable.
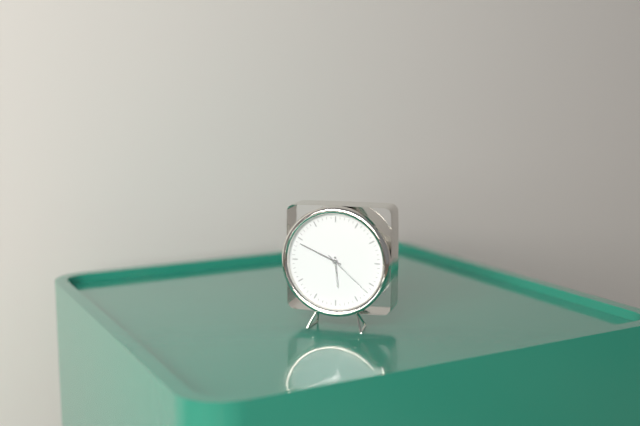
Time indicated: 5:49:22
